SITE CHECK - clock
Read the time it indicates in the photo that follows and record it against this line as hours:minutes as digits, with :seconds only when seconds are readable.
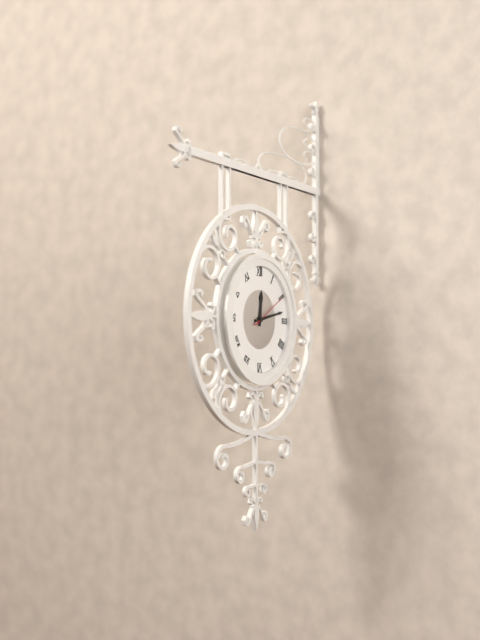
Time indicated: 12:13
